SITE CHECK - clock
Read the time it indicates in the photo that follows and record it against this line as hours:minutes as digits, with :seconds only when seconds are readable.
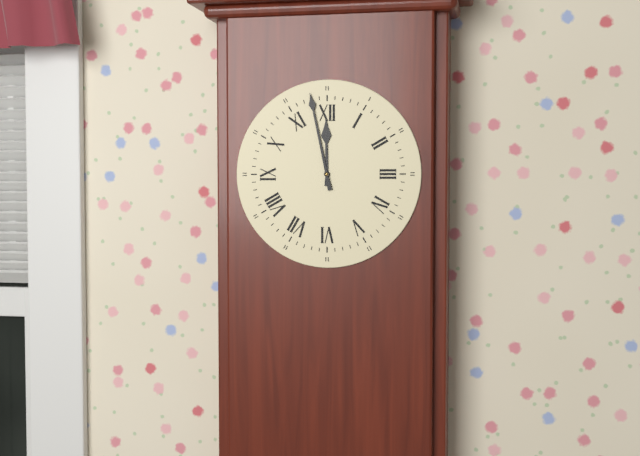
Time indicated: 11:58
